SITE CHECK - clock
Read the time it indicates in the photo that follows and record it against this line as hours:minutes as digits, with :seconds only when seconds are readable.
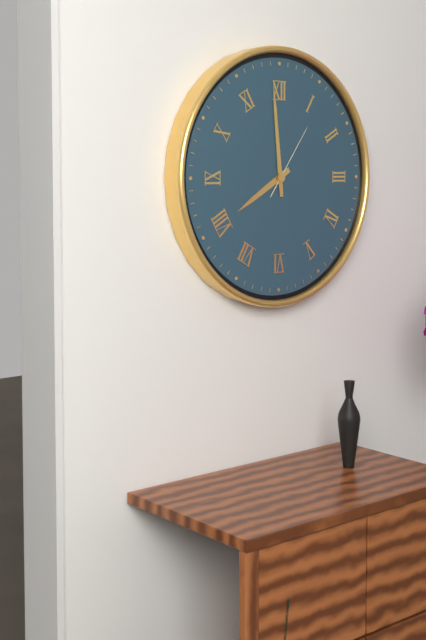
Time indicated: 7:59:06
